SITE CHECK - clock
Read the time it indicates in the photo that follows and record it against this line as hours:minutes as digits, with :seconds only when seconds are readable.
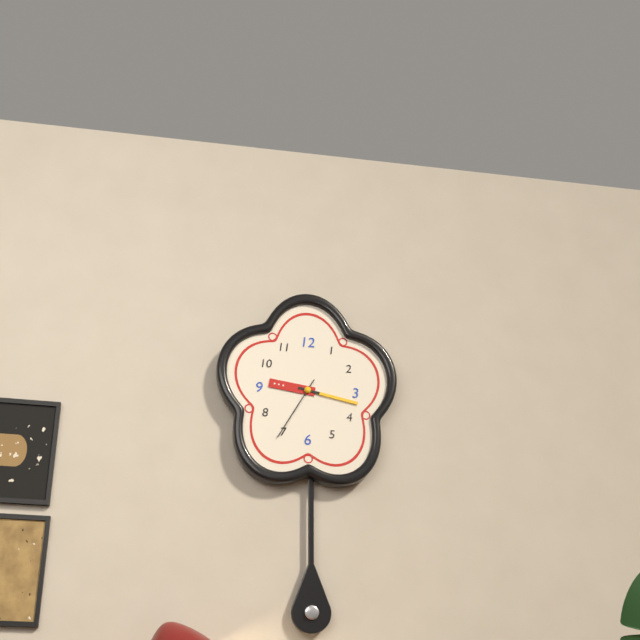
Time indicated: 9:17:35
